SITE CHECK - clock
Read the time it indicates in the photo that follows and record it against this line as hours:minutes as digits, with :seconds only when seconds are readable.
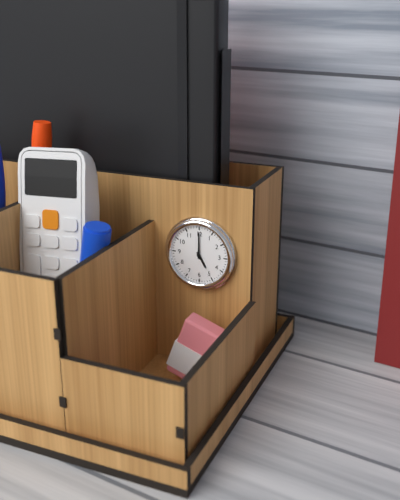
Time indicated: 5:00
